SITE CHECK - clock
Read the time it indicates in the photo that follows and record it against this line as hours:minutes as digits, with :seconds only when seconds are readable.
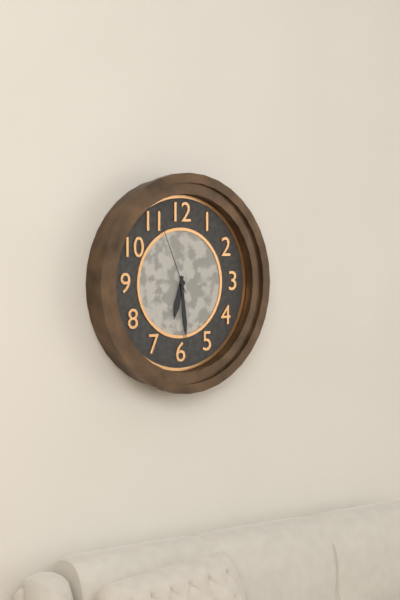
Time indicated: 6:29:56
